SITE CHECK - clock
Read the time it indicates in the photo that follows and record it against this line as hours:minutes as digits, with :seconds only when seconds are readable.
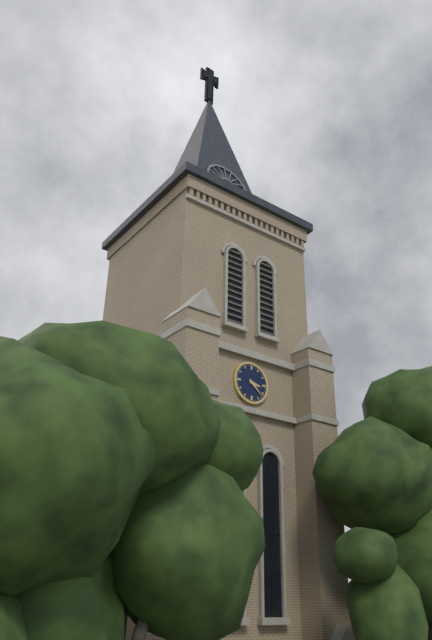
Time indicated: 3:22
